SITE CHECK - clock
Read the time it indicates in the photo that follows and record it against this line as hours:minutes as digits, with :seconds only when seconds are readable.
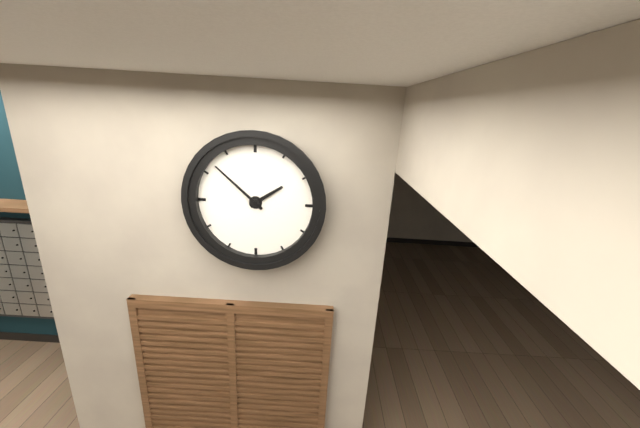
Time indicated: 1:52
